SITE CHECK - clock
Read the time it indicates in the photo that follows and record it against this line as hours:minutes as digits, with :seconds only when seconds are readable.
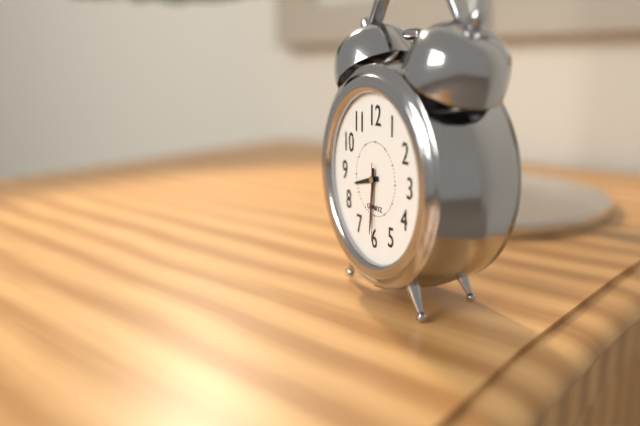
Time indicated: 8:31:30
